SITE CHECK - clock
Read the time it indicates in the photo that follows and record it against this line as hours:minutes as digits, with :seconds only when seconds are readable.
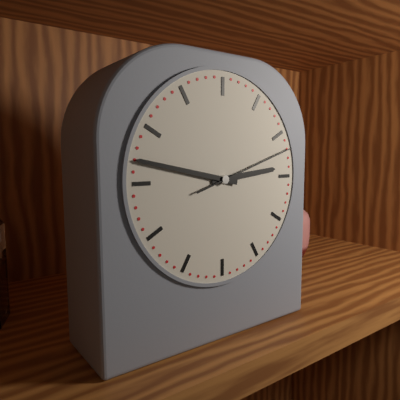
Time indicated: 2:47:12
